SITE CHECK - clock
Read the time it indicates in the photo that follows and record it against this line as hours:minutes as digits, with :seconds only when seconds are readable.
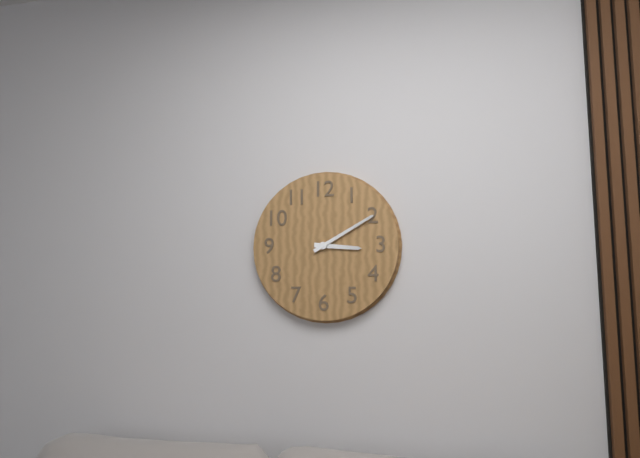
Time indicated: 3:10
